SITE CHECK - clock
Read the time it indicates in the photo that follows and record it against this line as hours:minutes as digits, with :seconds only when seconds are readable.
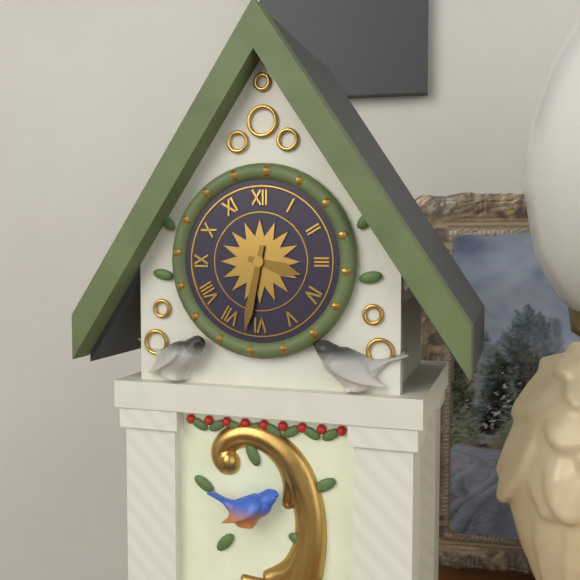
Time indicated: 3:32
